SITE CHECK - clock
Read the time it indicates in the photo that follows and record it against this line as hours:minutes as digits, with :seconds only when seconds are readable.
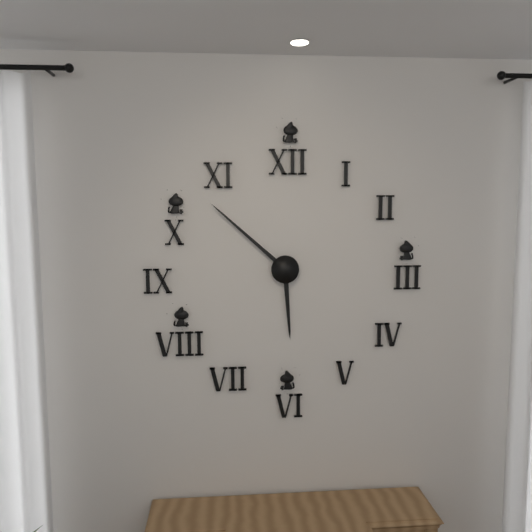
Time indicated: 5:52
